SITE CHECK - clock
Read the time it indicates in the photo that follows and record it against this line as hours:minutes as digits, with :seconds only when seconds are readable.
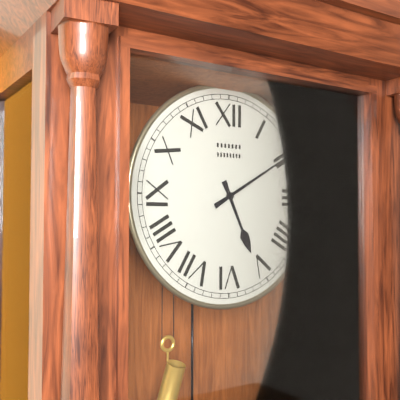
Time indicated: 5:10
